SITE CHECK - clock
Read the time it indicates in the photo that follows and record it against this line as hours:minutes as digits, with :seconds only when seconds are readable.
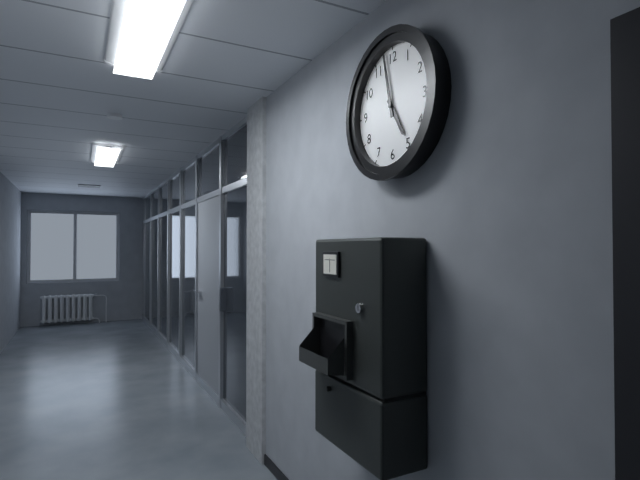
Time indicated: 4:58
